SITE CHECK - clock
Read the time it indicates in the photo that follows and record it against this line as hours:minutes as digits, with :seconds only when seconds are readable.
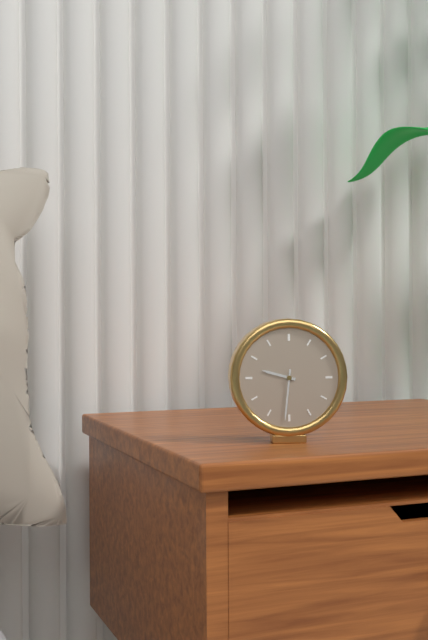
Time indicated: 9:31
